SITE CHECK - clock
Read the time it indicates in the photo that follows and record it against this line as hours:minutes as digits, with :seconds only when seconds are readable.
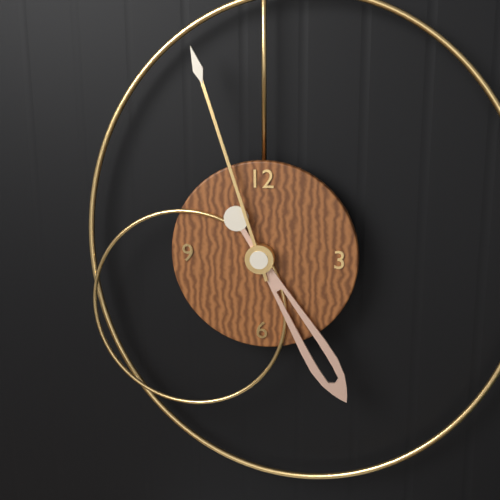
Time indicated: 4:57
